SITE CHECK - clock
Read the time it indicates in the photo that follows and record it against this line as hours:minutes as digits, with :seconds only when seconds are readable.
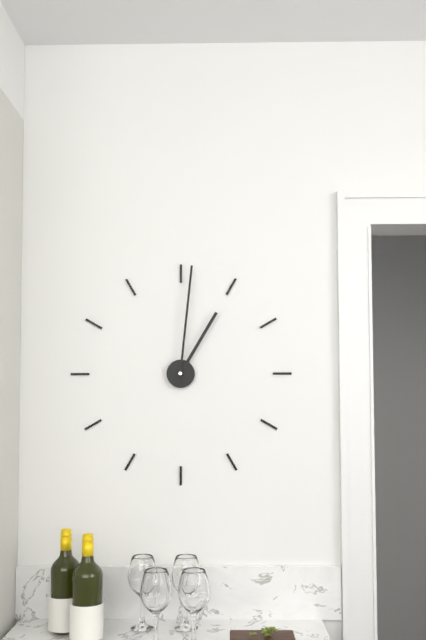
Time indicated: 1:01
